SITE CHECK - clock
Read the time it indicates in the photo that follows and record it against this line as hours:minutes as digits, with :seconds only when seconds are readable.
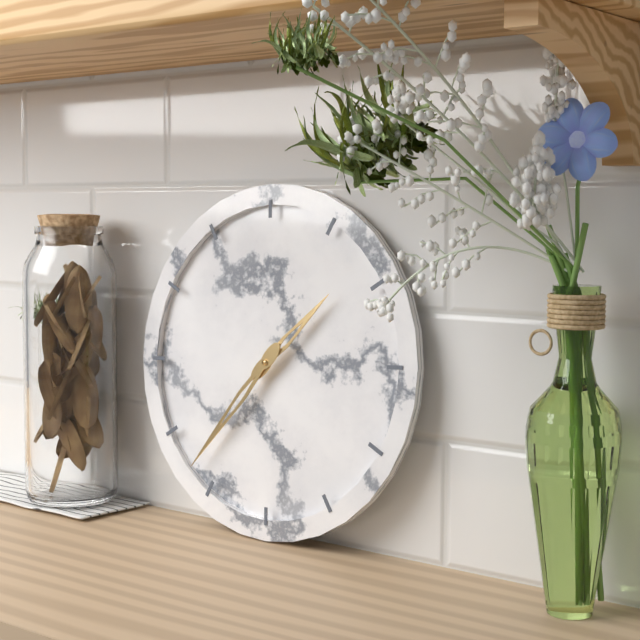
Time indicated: 1:37
